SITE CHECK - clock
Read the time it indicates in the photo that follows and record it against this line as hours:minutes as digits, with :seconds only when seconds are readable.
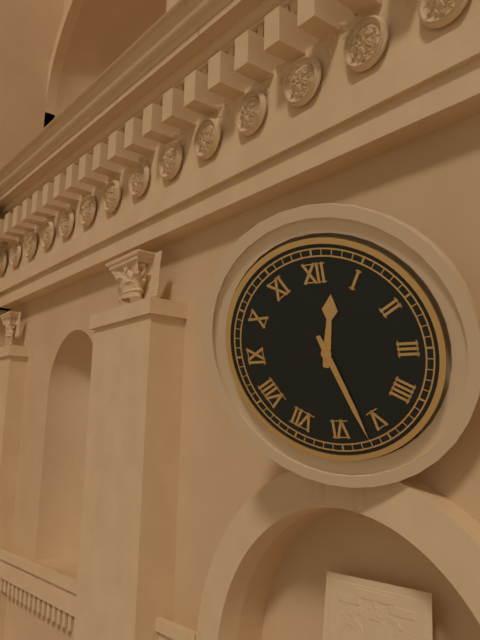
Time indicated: 12:27
